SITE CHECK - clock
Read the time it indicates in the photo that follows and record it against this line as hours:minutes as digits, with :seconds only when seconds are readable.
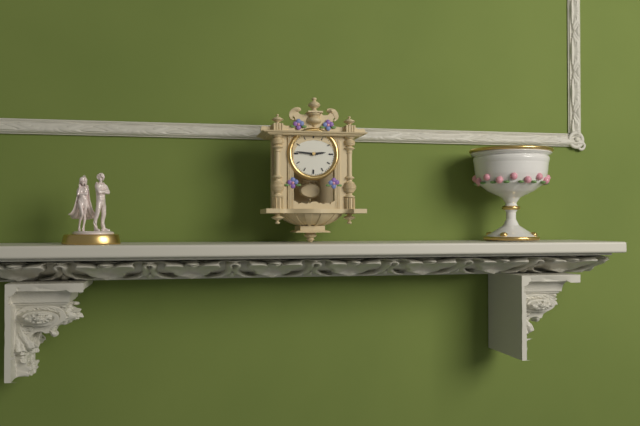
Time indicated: 2:46
